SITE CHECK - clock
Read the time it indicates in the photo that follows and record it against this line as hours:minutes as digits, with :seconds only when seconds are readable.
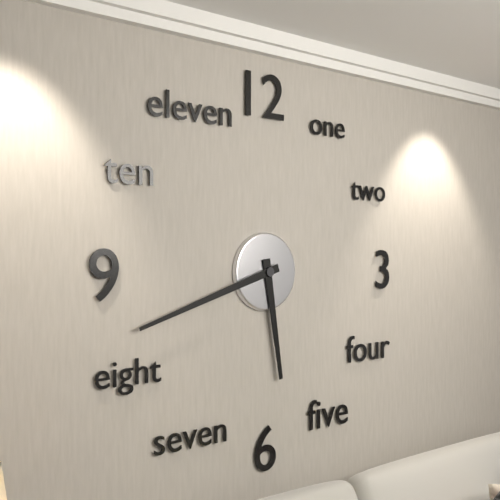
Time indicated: 5:42
